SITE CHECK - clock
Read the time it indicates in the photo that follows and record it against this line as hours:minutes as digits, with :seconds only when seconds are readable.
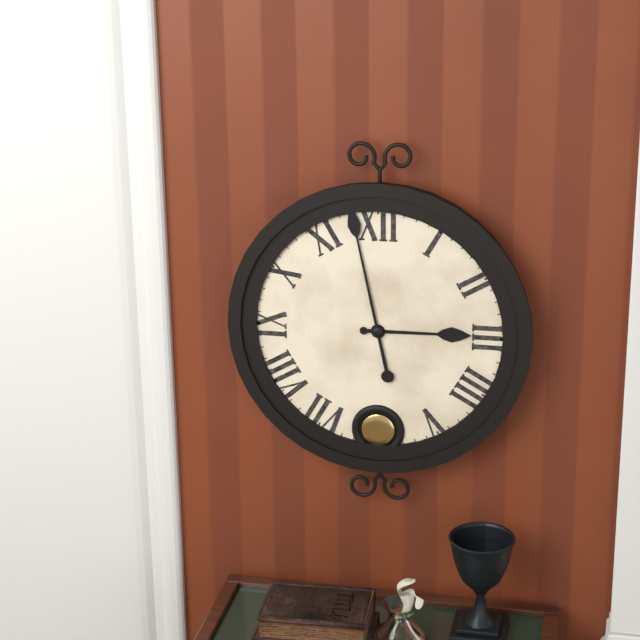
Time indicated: 2:58
